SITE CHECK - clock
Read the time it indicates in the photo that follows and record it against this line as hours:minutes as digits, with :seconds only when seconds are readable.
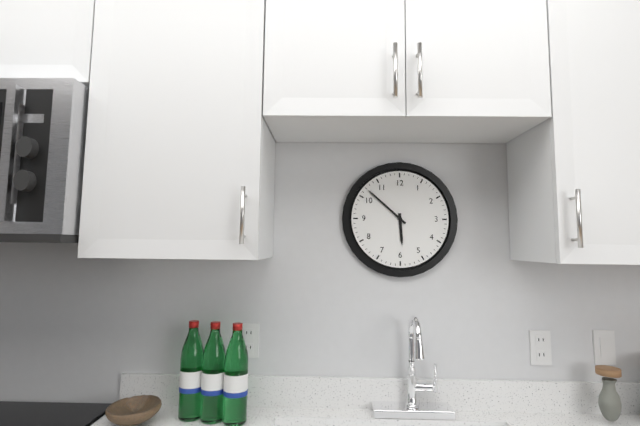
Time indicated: 5:52
